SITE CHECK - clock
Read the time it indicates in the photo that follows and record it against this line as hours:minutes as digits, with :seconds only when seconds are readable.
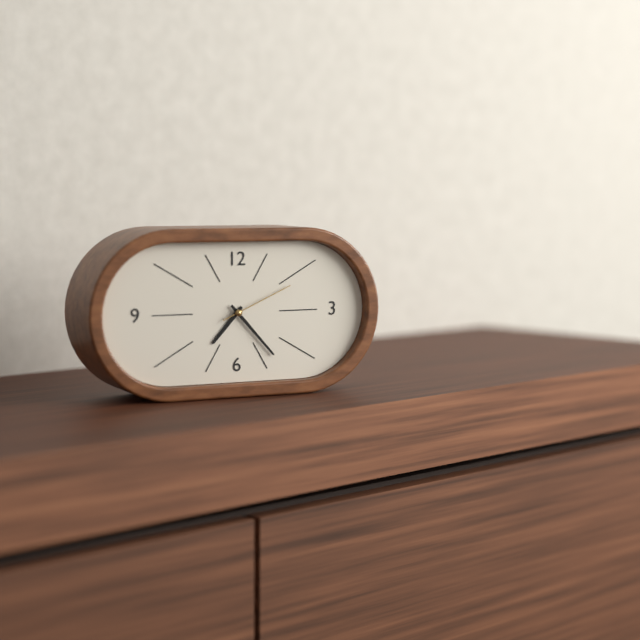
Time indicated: 7:23:11
